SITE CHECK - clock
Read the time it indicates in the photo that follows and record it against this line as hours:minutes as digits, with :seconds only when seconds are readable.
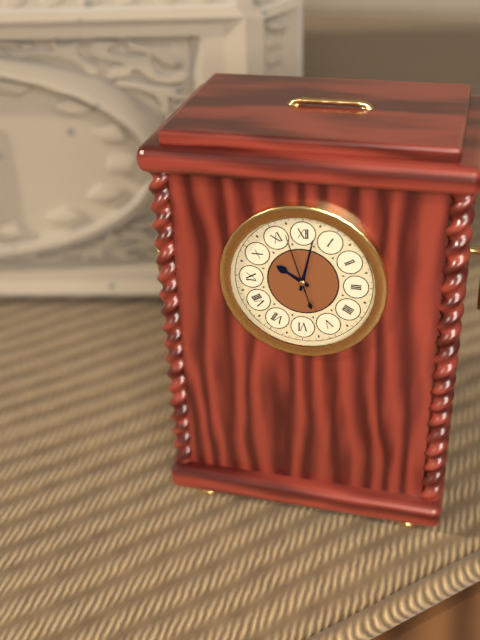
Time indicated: 10:02:57
